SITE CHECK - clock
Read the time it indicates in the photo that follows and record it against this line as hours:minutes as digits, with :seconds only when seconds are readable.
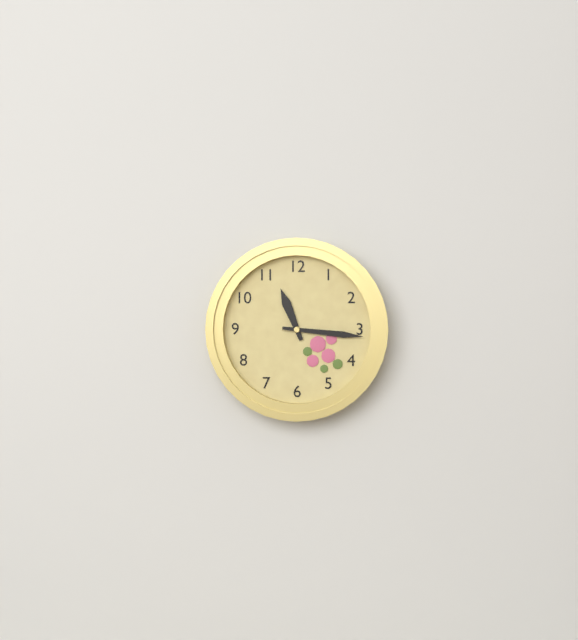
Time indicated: 11:16
